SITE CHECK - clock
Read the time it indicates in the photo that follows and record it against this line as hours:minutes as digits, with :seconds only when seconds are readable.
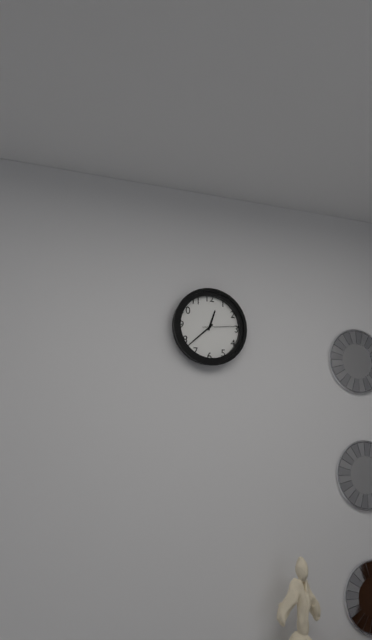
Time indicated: 12:38
